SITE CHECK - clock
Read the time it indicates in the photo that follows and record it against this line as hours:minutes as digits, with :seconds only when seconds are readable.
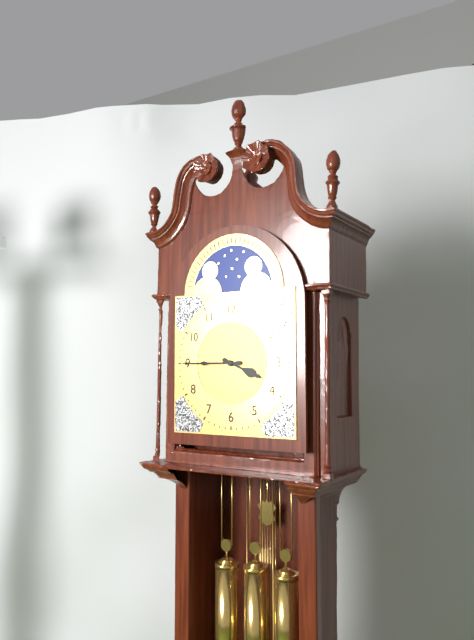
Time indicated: 3:45
